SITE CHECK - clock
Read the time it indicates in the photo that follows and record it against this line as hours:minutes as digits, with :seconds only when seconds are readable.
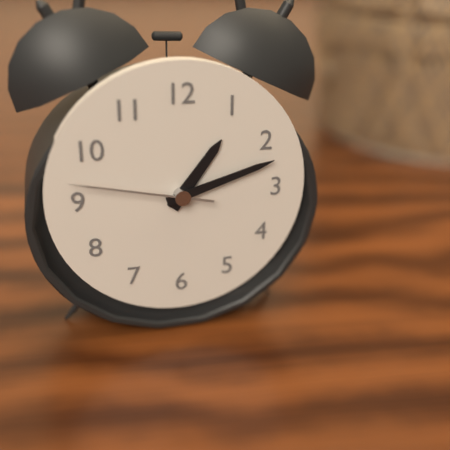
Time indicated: 1:12:47
